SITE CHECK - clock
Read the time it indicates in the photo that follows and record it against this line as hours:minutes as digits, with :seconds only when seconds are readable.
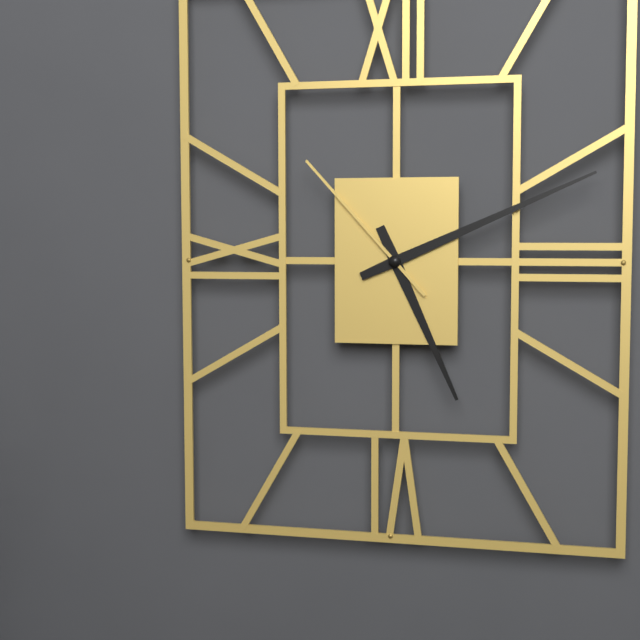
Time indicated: 5:11:53
